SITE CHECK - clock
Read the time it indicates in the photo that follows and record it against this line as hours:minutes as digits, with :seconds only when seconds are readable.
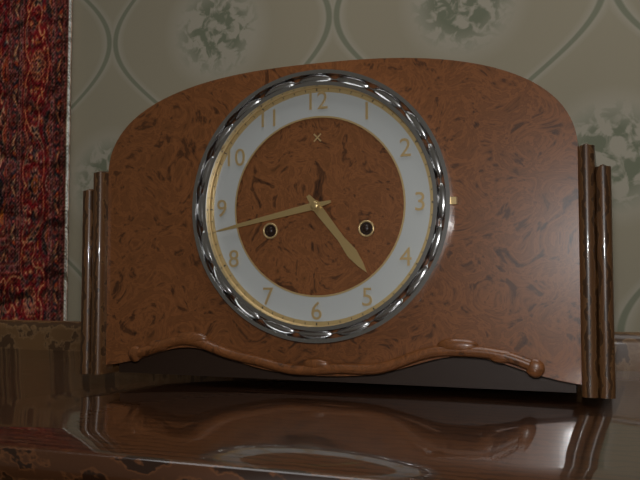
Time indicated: 4:43
